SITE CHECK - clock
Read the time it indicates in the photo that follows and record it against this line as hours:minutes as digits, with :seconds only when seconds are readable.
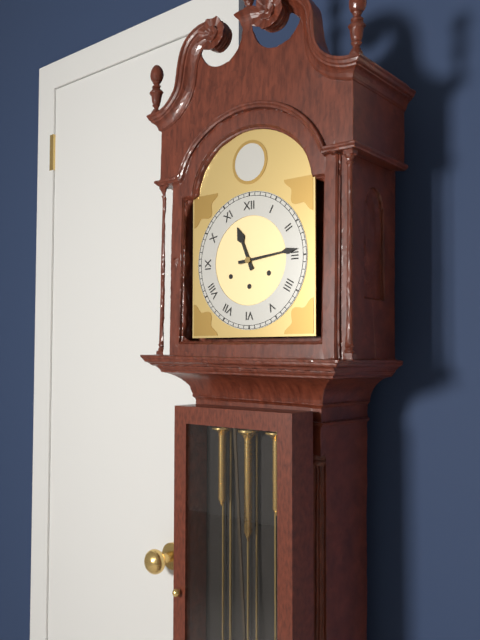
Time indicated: 11:14
